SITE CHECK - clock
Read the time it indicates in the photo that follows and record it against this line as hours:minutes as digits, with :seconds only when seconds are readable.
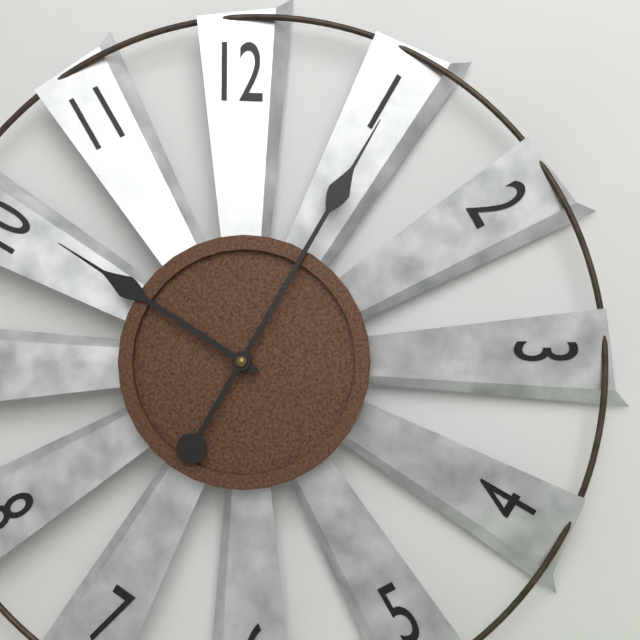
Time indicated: 10:05
